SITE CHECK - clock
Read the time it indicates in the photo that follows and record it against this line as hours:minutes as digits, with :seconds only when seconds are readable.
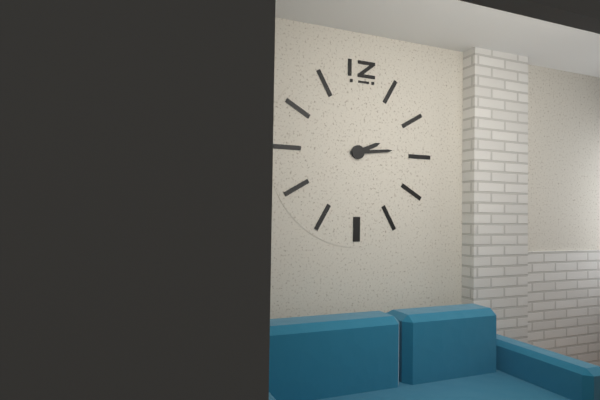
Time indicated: 2:14
